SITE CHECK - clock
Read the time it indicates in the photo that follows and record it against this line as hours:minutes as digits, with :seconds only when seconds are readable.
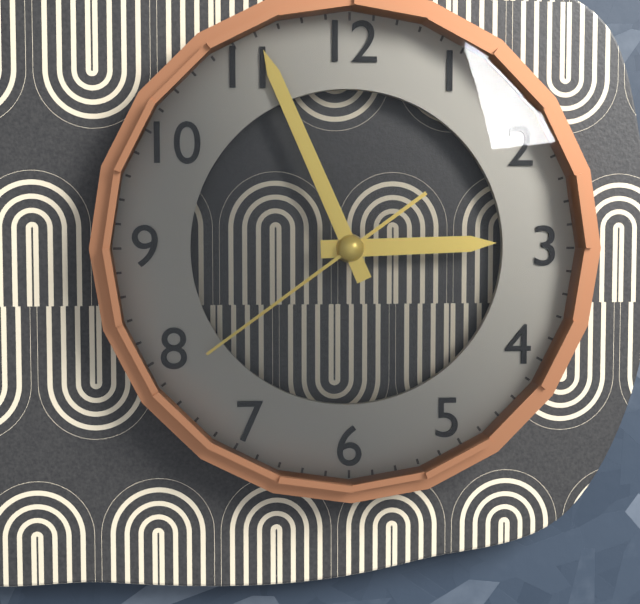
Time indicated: 2:56:39
